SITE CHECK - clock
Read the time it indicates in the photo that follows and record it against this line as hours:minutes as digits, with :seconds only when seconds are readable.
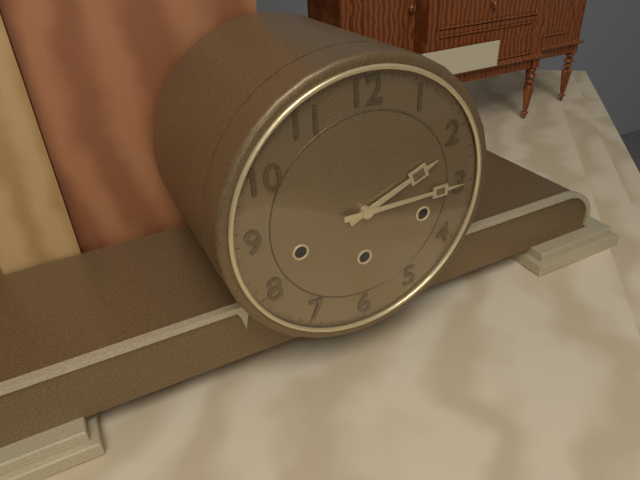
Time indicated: 2:15
